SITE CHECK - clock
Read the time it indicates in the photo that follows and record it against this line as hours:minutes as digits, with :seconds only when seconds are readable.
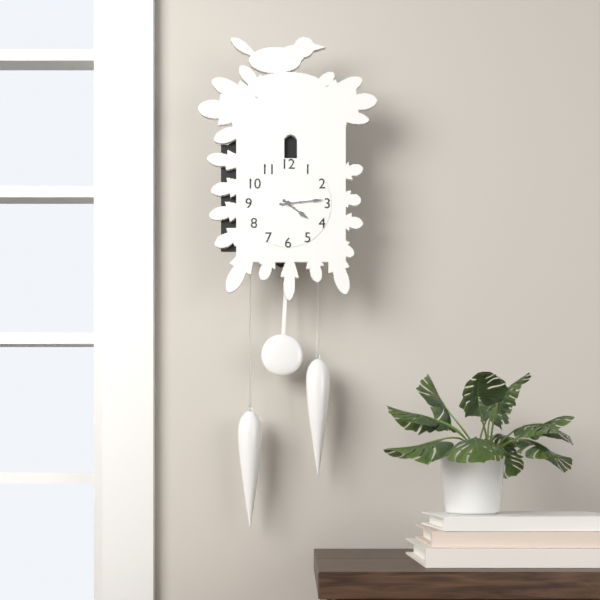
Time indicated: 4:14
